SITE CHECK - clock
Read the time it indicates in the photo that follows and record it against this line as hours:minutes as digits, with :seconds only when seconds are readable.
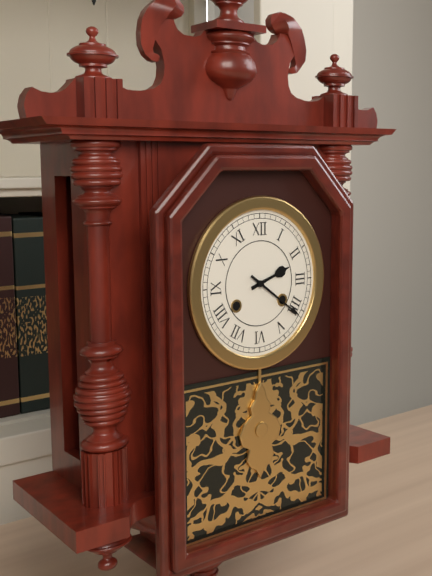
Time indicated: 2:21
